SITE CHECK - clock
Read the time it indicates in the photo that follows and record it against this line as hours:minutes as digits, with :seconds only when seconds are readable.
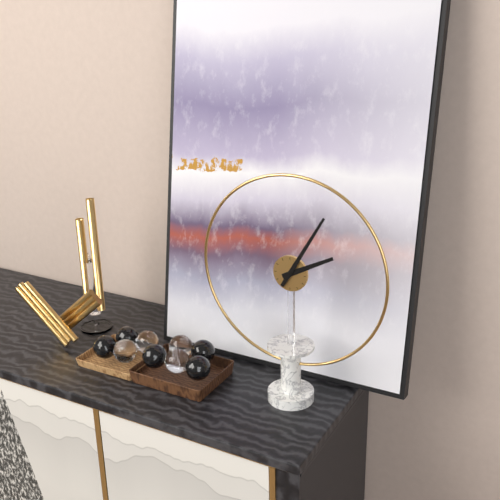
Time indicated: 2:05
